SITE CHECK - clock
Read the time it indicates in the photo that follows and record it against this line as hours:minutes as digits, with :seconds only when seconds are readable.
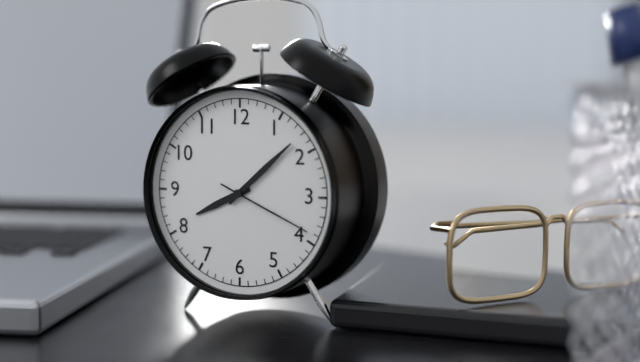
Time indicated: 8:08:19
